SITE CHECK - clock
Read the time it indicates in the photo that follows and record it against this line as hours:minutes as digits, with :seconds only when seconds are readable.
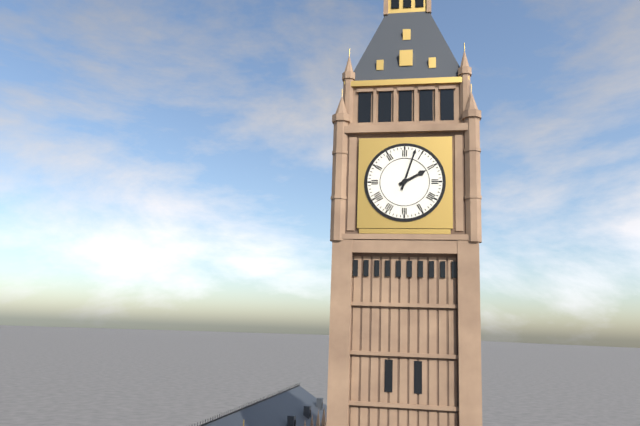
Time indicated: 2:03
